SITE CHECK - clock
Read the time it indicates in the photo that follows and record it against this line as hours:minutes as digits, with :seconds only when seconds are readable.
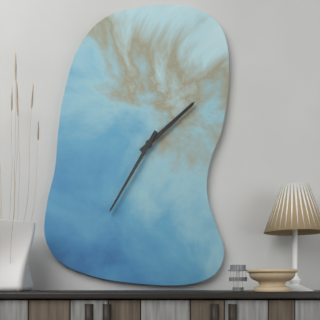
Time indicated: 1:35
